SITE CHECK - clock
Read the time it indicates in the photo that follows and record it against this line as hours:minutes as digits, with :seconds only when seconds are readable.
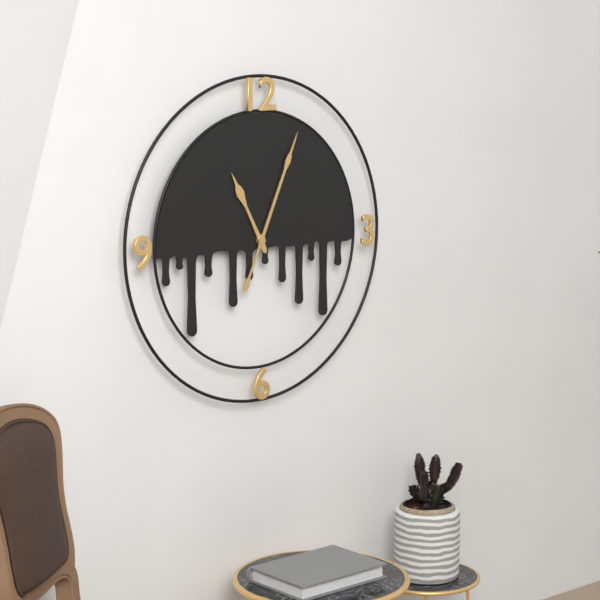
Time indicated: 11:04
